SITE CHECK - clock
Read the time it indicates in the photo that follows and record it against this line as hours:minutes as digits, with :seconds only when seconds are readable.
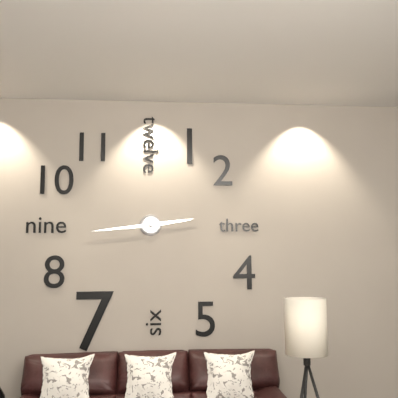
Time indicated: 2:44
